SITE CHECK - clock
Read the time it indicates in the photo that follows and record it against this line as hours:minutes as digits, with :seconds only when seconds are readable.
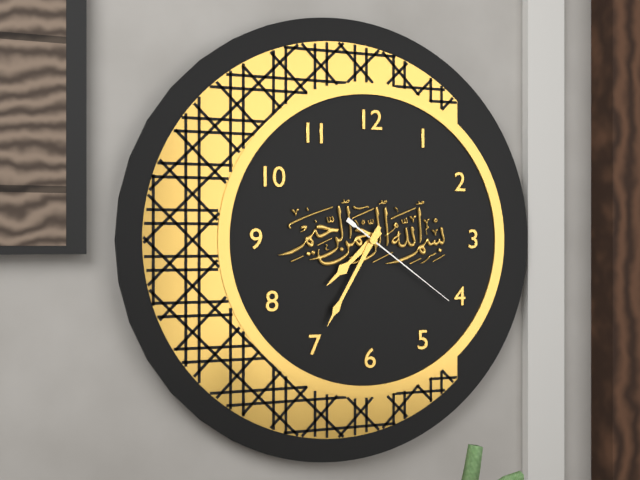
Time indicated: 7:35:21
